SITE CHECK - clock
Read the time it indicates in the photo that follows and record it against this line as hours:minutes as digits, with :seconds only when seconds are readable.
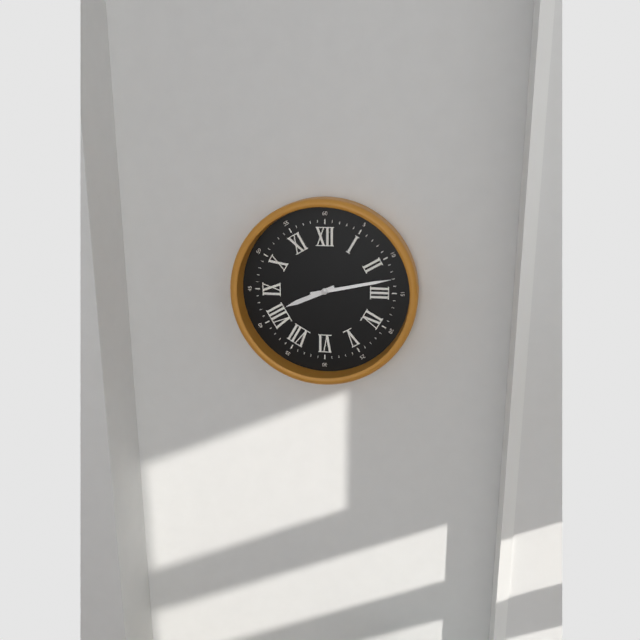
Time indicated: 8:13
